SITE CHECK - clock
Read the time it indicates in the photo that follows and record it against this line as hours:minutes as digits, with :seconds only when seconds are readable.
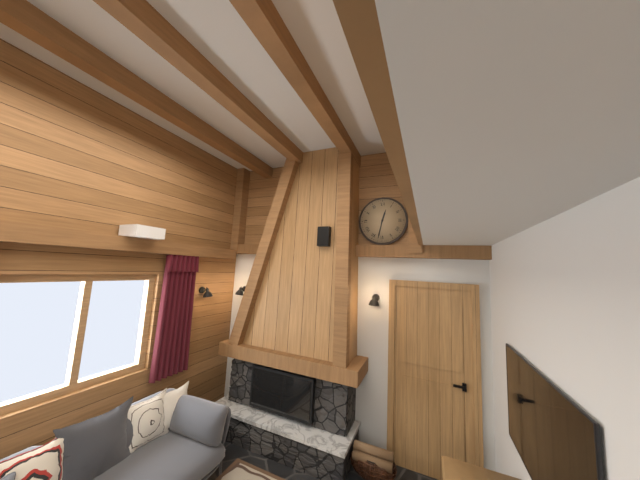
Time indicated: 12:32
